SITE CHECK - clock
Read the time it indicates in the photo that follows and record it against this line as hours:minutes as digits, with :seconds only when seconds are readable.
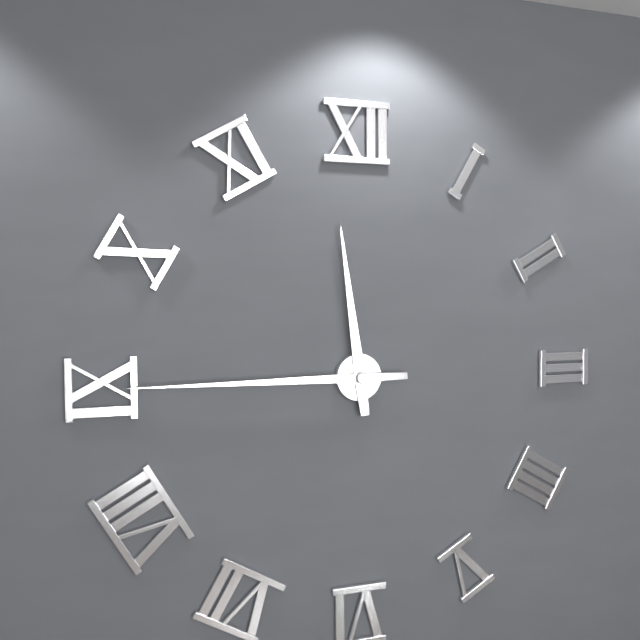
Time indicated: 11:45
